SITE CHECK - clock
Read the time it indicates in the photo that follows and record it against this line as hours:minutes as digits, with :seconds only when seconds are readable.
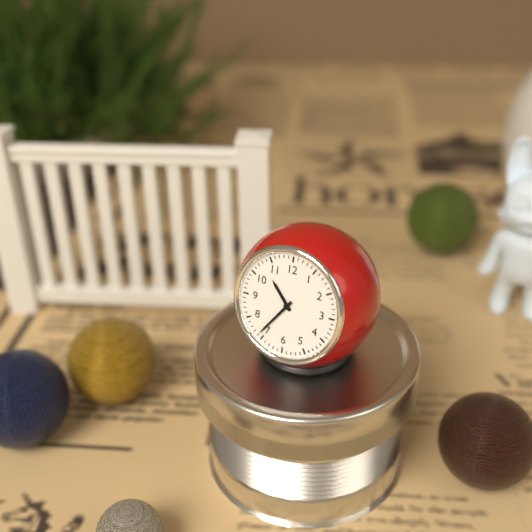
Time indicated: 10:36
